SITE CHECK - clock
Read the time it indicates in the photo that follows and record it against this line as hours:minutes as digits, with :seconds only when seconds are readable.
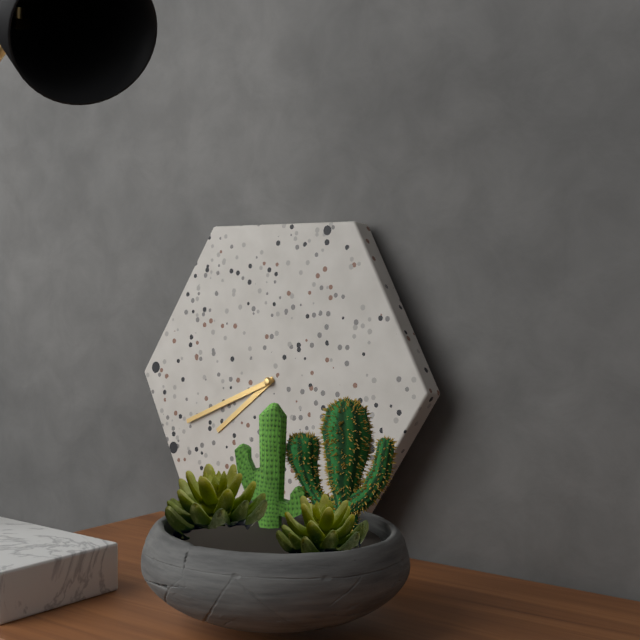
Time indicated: 7:41
